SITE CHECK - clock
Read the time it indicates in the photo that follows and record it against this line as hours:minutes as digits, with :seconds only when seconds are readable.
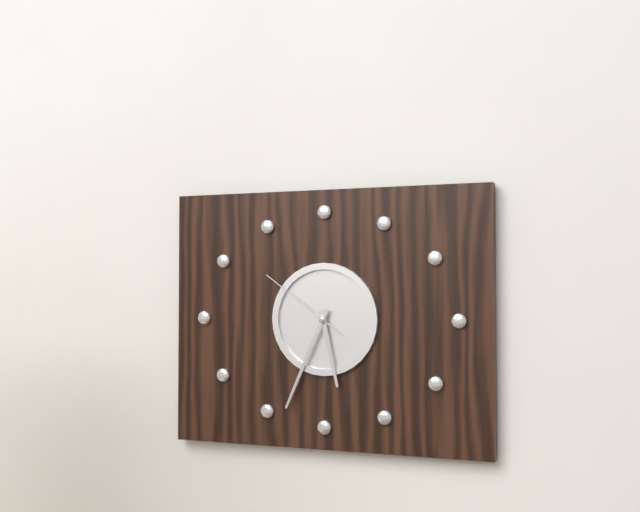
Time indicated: 5:34:51
